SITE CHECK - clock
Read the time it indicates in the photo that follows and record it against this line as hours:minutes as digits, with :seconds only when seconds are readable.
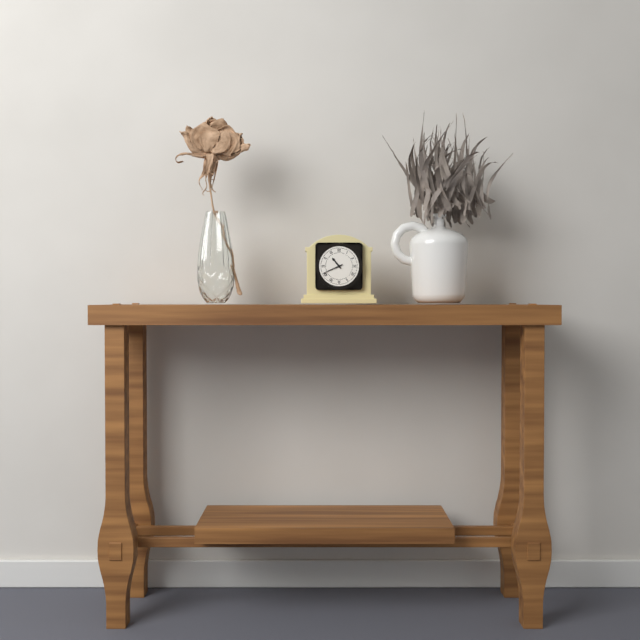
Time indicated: 10:41
